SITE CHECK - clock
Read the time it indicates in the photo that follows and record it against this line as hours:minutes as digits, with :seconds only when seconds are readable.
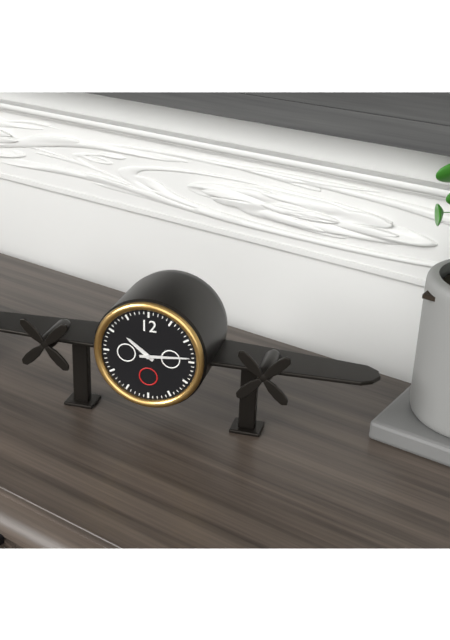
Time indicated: 10:14
